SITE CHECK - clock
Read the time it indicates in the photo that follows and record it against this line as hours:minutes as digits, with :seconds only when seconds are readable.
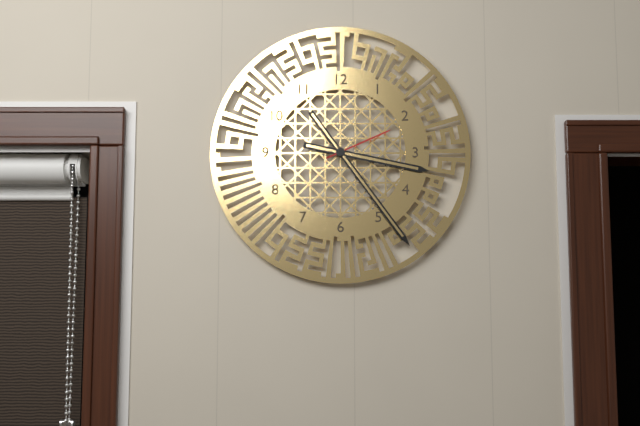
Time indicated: 3:24:11
